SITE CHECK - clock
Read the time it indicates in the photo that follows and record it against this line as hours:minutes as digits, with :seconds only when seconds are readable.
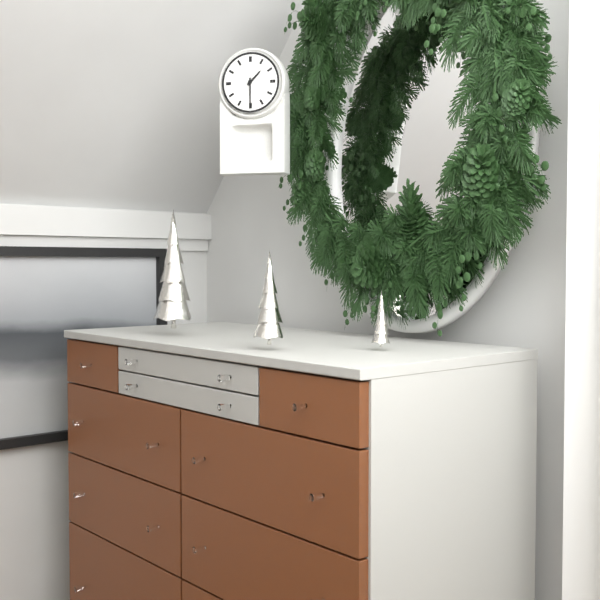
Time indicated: 1:30
